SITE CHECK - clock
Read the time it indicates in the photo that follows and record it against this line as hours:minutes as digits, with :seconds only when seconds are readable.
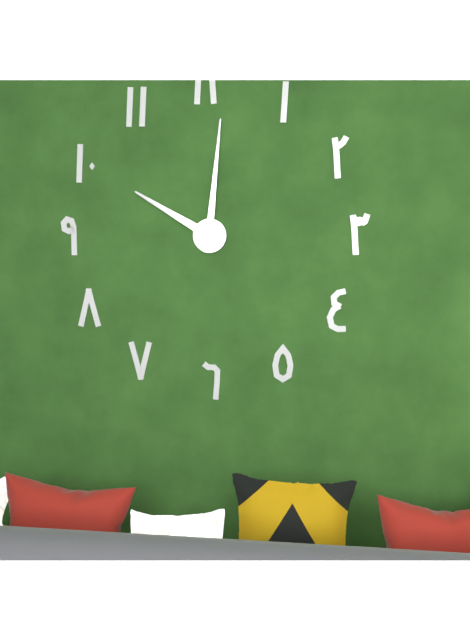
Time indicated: 10:01
